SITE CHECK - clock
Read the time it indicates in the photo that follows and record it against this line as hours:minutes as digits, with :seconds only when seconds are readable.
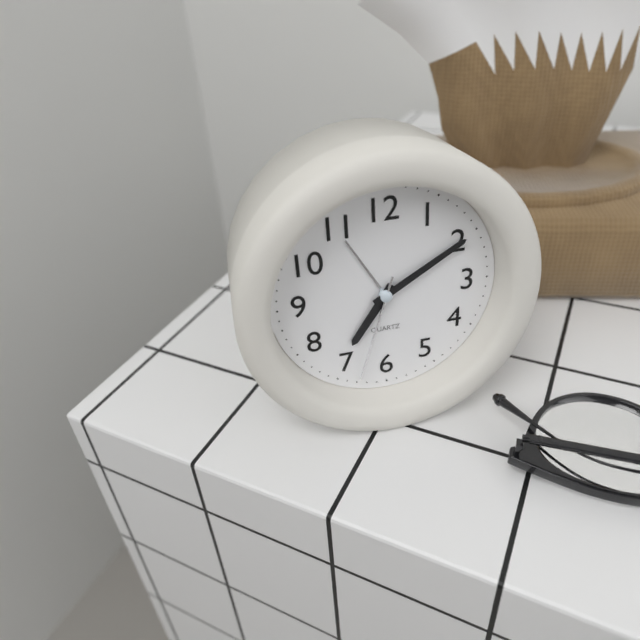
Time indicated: 7:10:33
